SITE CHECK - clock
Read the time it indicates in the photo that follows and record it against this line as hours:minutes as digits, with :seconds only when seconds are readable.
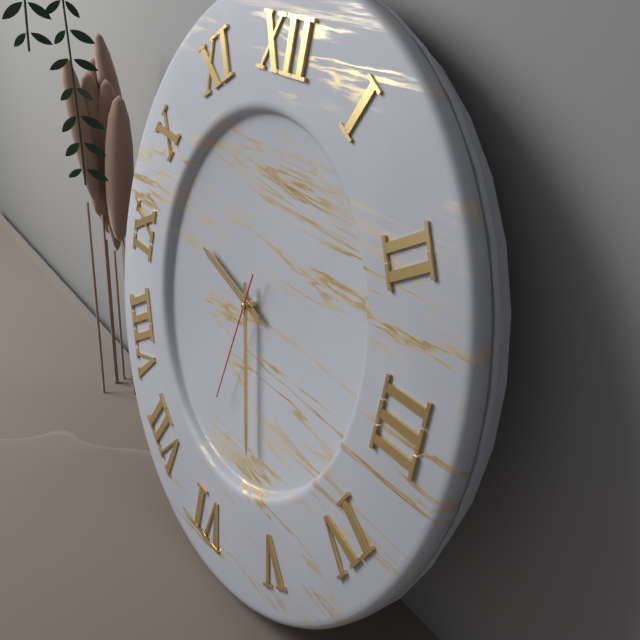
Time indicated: 9:27:32
